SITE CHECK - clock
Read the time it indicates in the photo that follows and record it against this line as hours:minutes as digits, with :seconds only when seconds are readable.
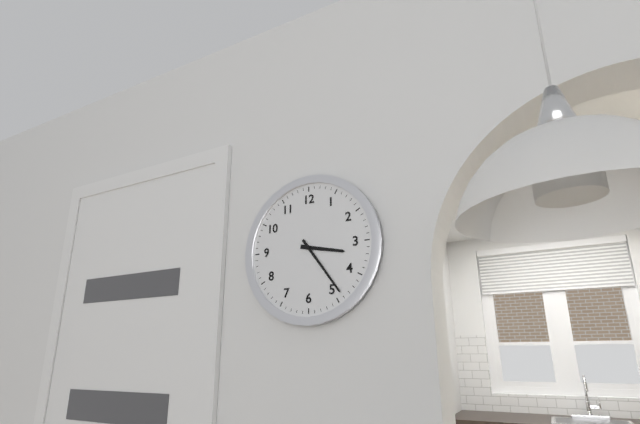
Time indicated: 3:24
